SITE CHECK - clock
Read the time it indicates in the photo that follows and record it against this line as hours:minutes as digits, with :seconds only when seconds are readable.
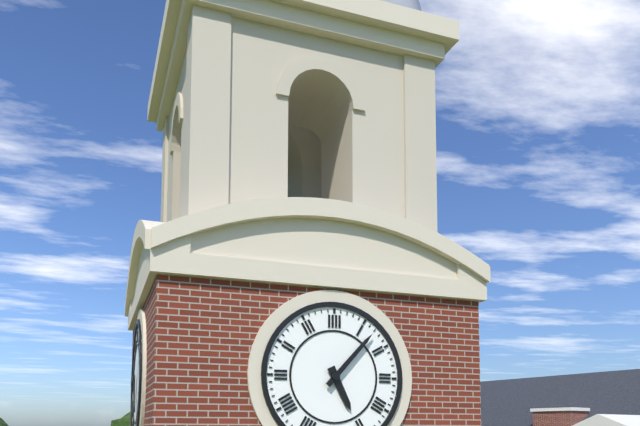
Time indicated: 5:07
